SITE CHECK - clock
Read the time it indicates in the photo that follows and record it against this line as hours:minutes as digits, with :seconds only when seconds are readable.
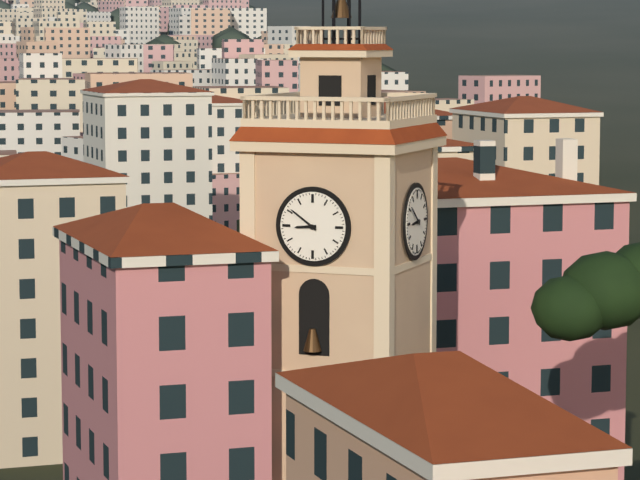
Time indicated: 8:51
